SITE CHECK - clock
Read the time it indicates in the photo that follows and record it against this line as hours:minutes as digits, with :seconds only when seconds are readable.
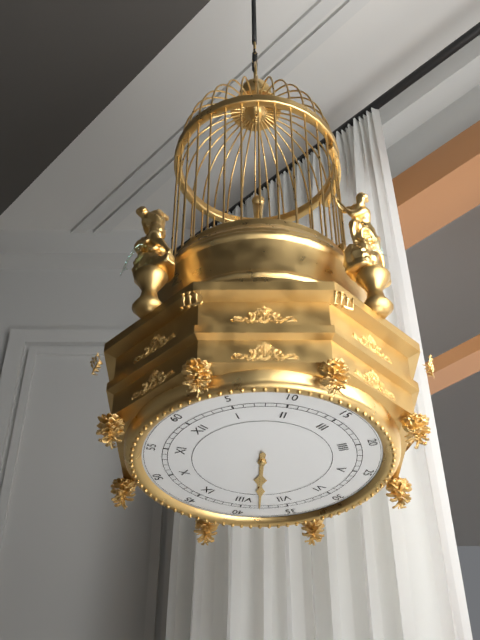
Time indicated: 7:38
